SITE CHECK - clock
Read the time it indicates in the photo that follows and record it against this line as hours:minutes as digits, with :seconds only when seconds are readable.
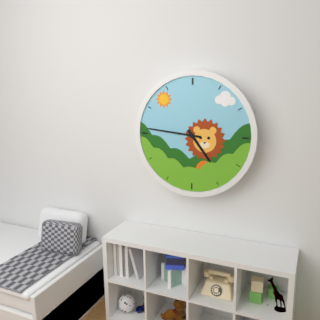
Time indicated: 4:46
